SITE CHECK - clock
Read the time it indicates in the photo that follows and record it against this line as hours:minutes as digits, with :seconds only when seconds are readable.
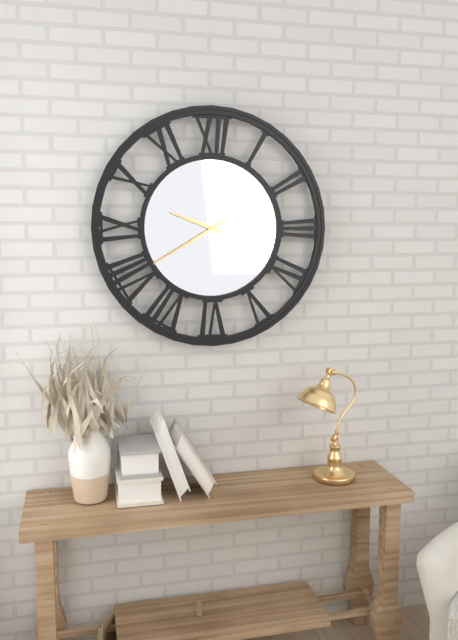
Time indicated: 9:40
